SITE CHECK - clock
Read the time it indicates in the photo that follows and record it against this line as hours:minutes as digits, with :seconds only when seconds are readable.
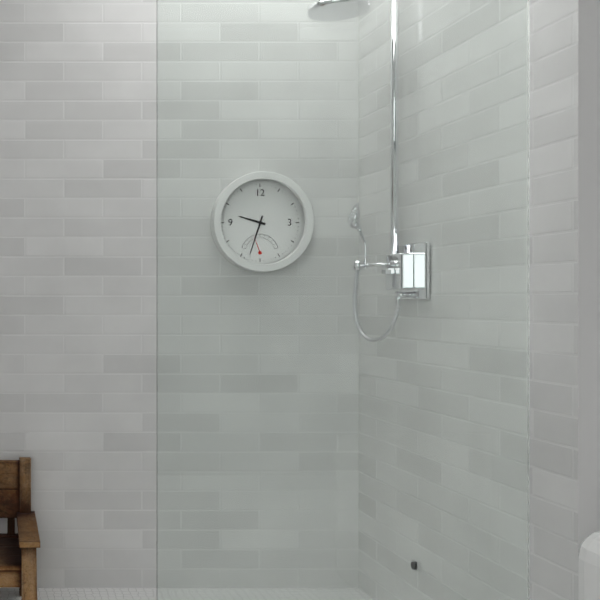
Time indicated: 9:33
